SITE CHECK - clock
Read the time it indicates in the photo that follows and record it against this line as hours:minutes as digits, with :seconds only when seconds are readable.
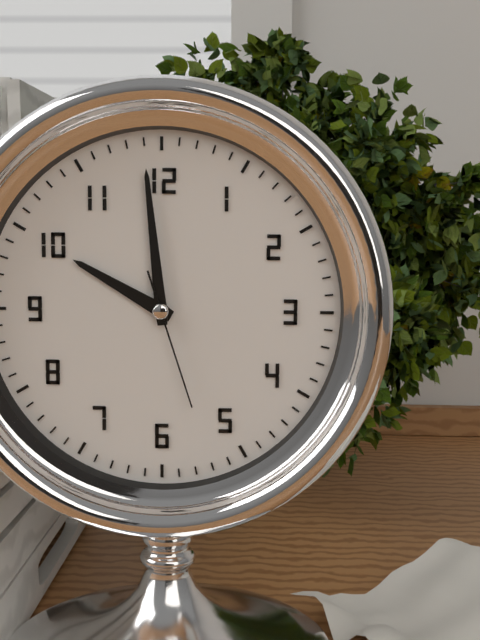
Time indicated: 9:59:27
